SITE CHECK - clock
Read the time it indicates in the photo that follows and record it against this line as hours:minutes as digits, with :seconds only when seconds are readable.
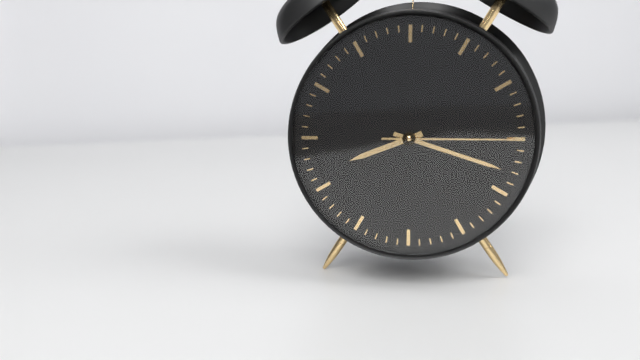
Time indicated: 8:18:15
